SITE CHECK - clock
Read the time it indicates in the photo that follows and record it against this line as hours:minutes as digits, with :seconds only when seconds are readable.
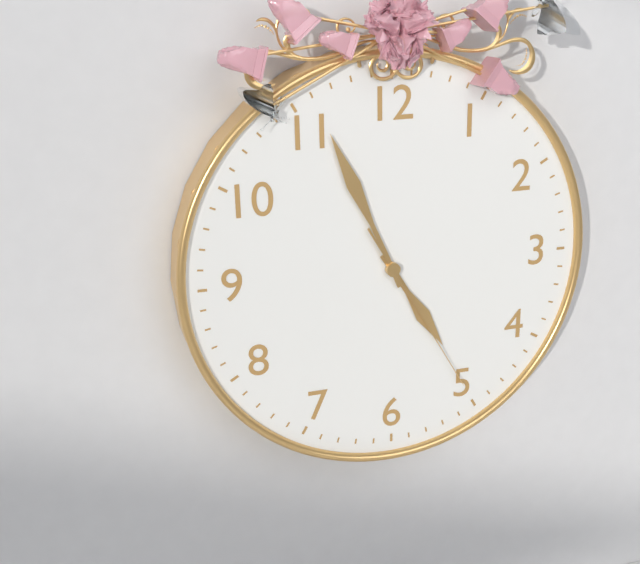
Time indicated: 4:56:25
